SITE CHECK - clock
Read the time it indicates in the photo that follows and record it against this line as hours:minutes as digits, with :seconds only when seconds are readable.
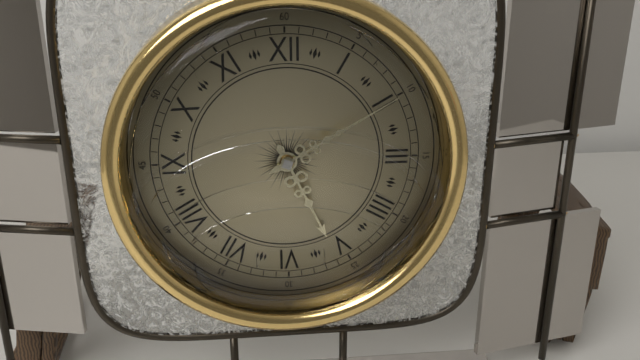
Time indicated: 5:10
